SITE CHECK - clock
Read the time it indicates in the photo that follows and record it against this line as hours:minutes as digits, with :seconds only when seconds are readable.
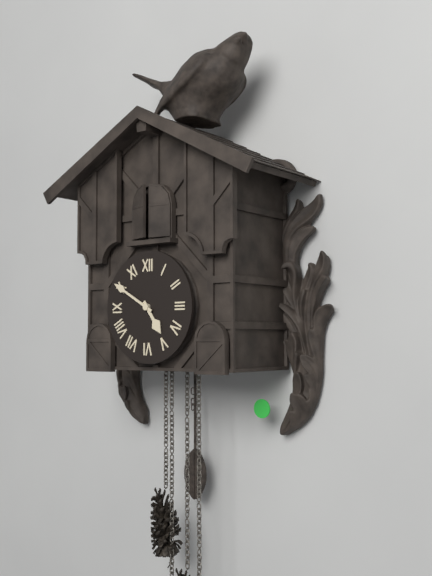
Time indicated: 4:50
